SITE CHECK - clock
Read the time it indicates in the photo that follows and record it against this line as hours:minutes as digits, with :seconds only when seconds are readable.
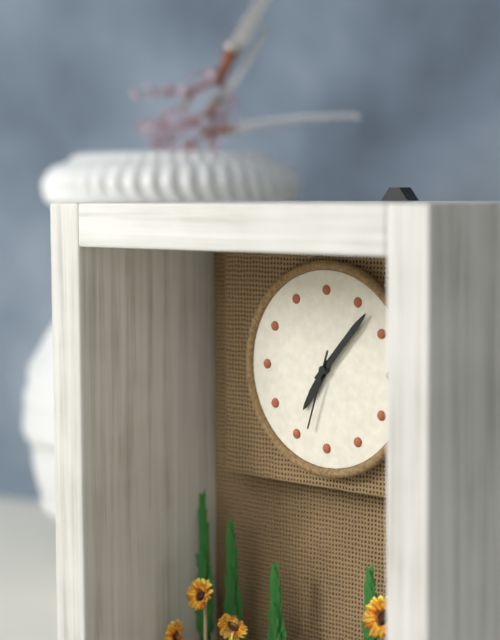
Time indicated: 7:07:33
